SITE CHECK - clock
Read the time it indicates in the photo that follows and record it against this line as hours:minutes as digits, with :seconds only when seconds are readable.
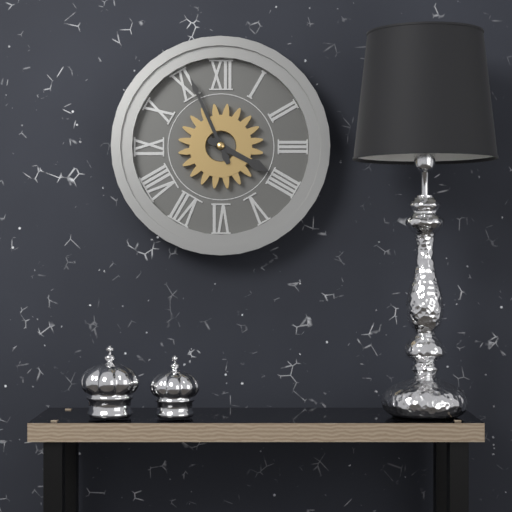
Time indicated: 3:56
